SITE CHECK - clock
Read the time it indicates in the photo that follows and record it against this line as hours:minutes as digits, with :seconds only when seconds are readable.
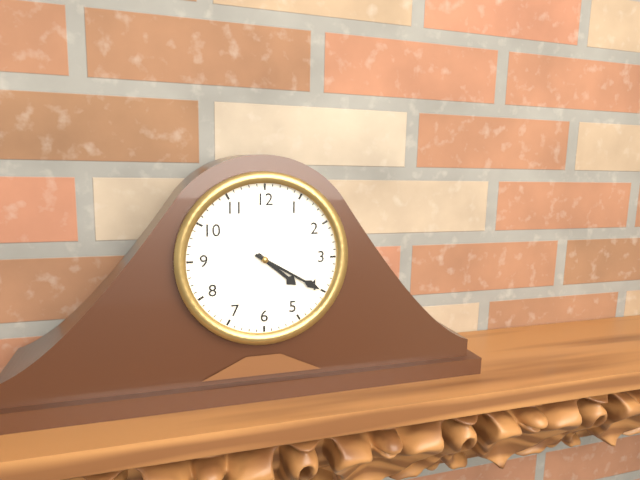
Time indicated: 4:20
